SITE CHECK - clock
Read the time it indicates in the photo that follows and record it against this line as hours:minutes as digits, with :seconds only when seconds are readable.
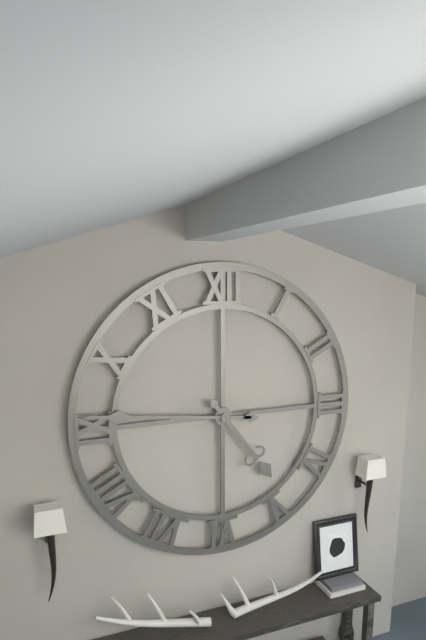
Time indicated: 4:46
